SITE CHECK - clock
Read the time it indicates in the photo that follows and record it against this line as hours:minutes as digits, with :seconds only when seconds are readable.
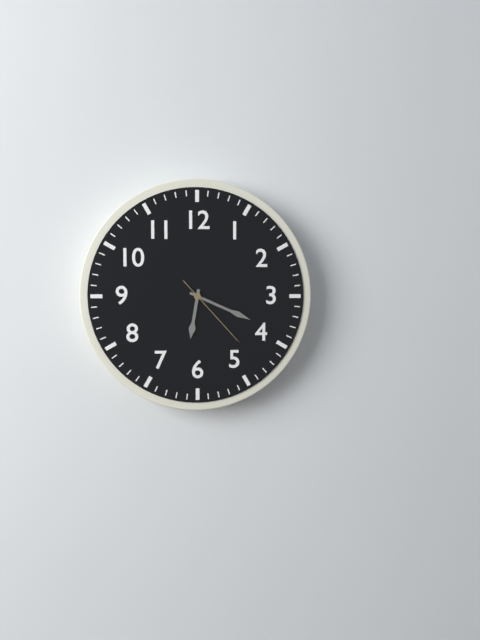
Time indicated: 6:19:23
